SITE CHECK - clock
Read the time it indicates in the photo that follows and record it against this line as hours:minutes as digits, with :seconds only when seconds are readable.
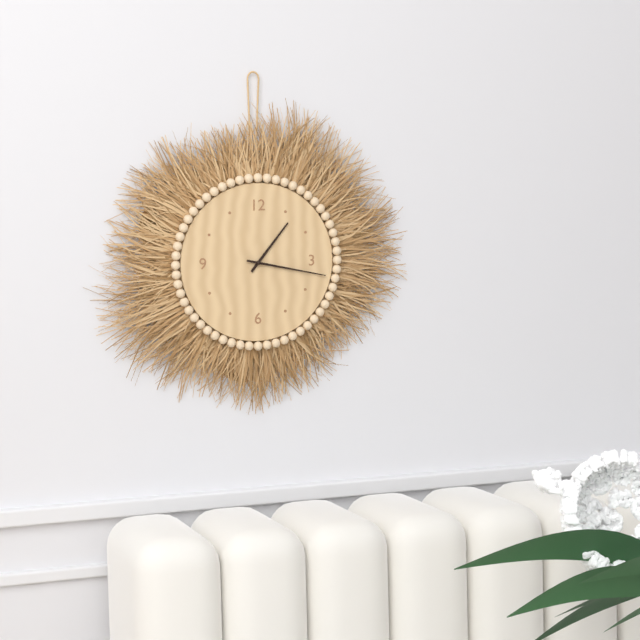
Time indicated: 1:17
